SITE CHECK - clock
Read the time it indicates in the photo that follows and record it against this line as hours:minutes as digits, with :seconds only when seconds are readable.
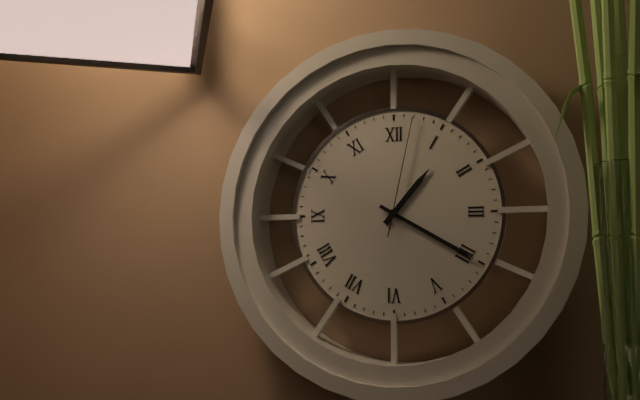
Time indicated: 1:20:02
